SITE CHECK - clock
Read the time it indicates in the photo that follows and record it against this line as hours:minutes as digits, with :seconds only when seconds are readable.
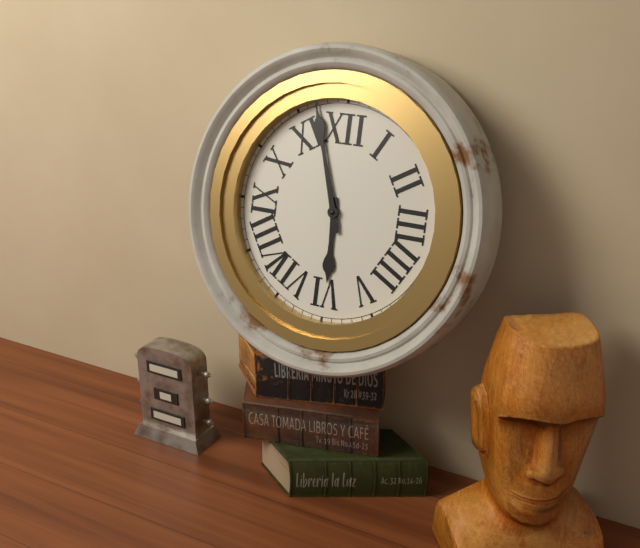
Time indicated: 5:57
